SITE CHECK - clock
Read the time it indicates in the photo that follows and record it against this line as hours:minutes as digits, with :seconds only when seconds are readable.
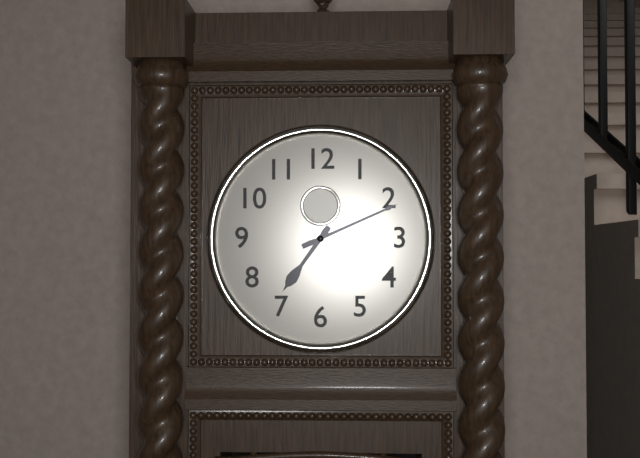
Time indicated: 7:11
